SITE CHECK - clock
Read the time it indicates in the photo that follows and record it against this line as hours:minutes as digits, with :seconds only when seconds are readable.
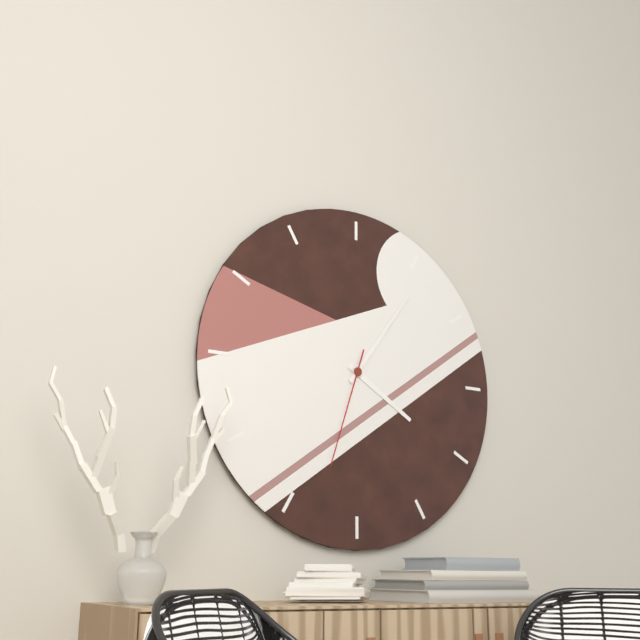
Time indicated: 4:06:33
